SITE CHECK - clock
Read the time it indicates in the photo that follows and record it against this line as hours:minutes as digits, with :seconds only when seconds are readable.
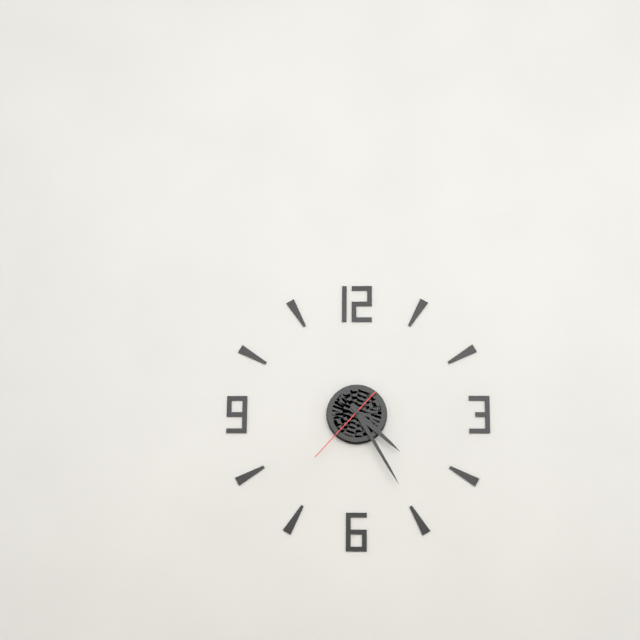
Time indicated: 4:25:37
